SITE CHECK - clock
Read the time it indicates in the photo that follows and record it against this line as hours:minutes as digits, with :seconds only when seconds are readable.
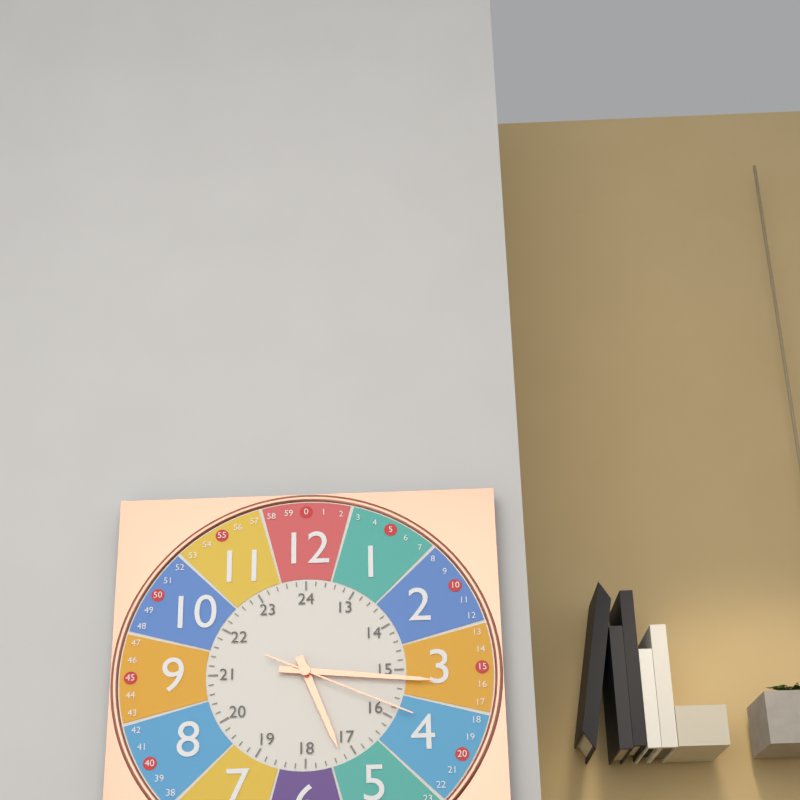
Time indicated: 5:16:19
